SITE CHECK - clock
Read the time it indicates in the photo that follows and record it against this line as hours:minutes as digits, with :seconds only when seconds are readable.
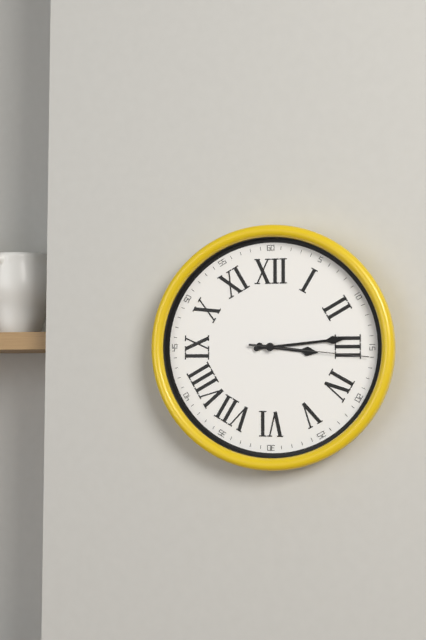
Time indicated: 3:14:16
